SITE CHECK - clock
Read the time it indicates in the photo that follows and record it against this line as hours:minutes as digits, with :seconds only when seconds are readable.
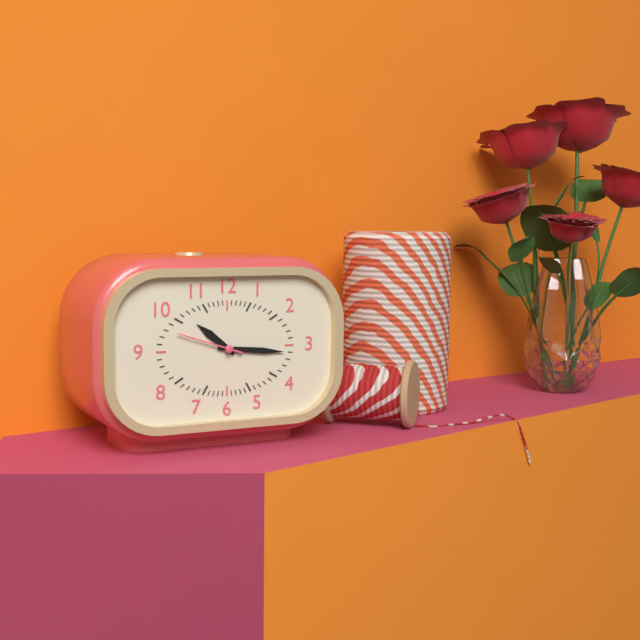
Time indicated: 10:16:48
